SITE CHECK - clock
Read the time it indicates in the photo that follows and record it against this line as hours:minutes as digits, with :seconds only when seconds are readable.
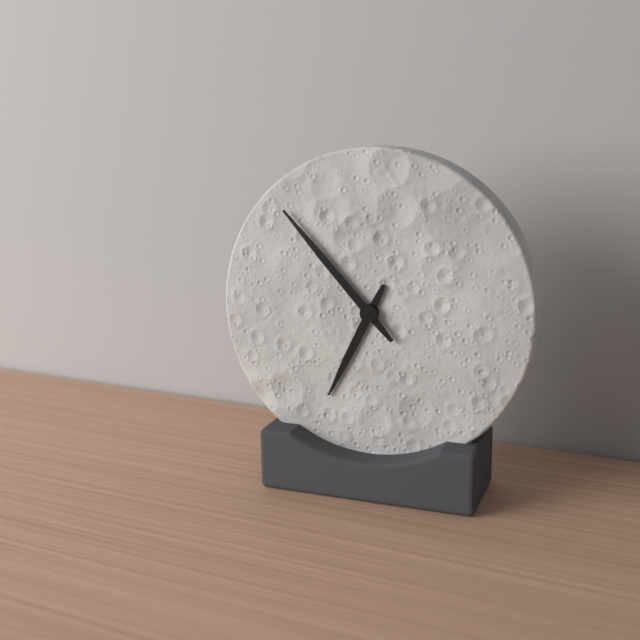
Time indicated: 6:53
